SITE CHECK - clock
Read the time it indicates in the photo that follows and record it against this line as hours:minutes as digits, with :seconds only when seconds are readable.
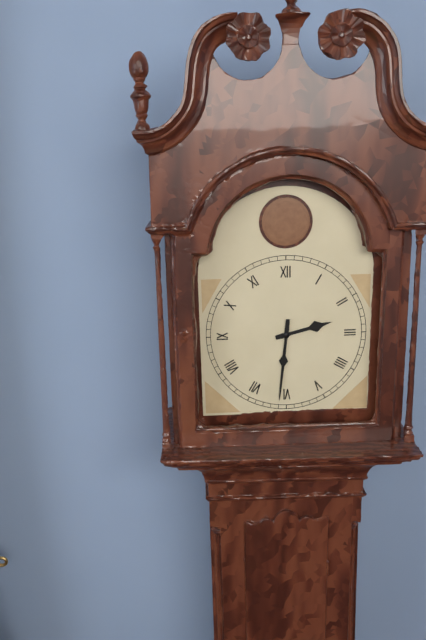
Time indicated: 2:31
